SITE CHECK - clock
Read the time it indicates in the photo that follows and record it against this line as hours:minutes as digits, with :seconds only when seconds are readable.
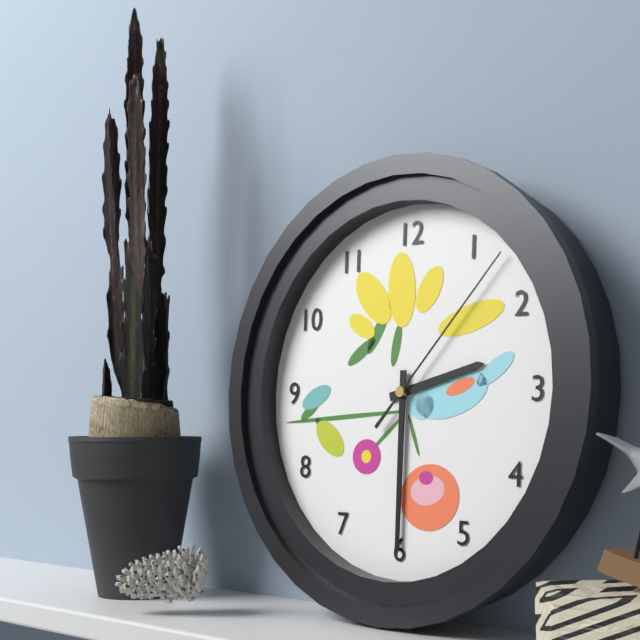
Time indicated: 2:30:07
